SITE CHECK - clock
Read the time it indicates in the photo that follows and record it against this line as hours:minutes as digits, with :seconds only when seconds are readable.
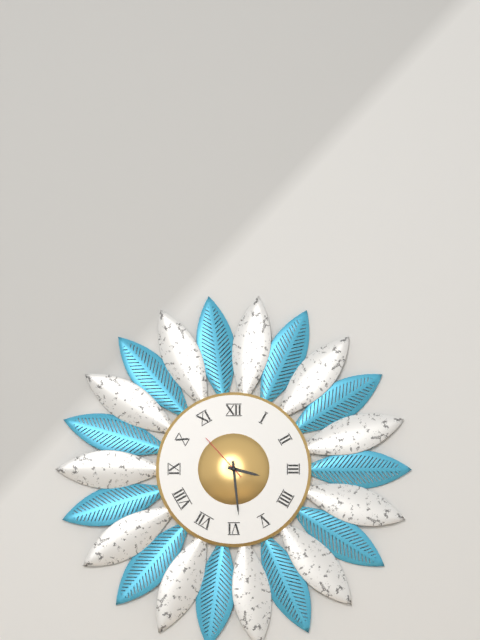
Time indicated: 3:29:53
